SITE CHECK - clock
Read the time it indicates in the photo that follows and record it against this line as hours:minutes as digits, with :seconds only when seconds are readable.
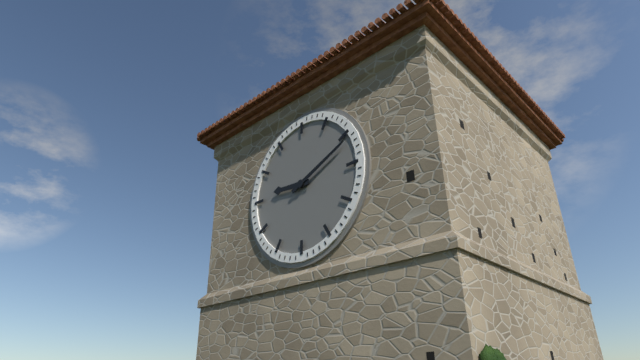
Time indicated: 9:11
